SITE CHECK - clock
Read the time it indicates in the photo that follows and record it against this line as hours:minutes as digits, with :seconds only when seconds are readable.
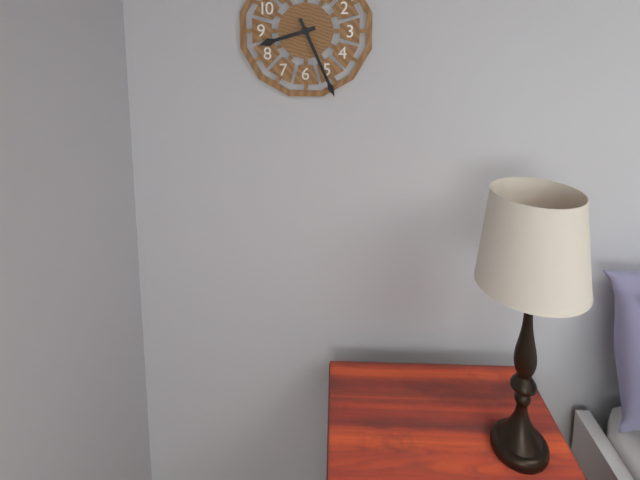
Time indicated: 8:26
